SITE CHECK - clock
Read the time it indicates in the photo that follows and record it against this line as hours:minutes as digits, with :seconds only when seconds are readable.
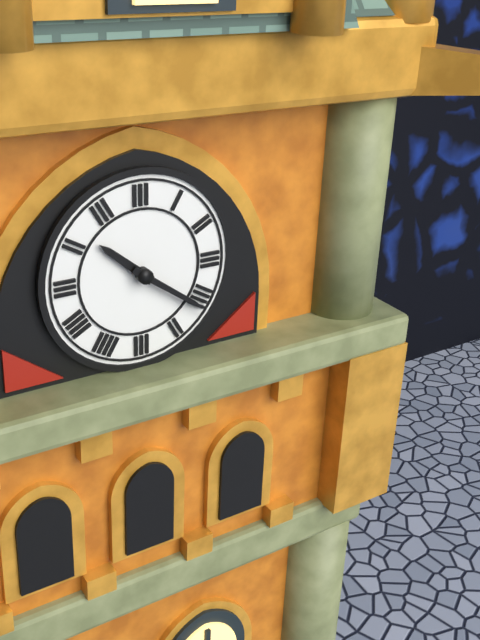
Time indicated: 10:21
